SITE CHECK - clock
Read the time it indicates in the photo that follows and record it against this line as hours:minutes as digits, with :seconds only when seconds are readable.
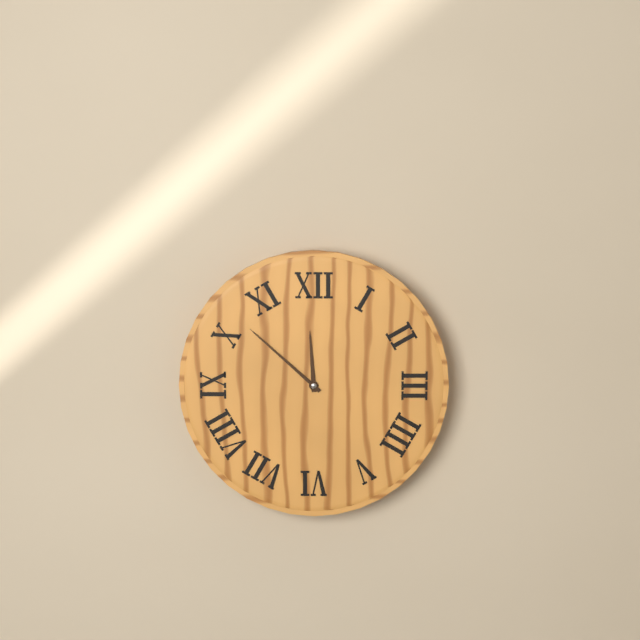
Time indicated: 11:52
